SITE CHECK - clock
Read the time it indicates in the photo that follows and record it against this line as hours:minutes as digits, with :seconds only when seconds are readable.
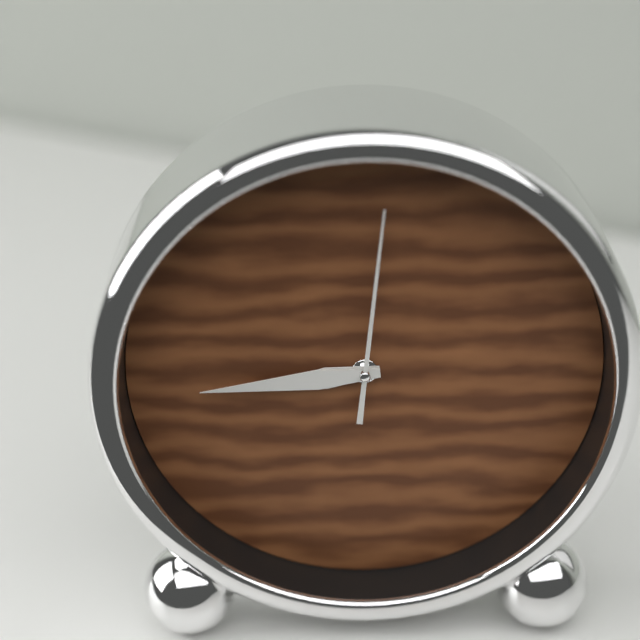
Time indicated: 8:44:01
